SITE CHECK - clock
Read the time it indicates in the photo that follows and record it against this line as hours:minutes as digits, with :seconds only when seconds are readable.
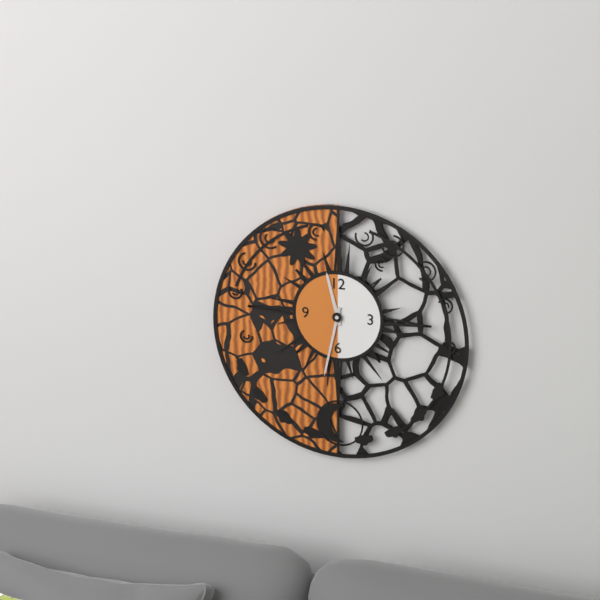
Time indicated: 11:32
